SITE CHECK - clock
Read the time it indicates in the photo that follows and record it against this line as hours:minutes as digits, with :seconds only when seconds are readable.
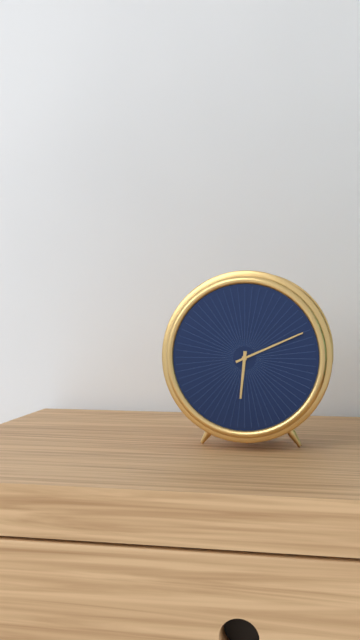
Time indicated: 6:11
